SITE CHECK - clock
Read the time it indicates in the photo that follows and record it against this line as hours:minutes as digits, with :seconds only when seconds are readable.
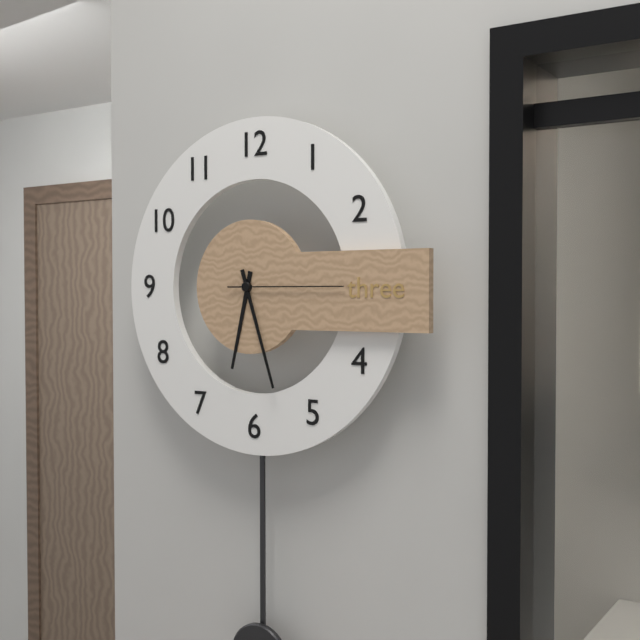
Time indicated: 6:27:15
